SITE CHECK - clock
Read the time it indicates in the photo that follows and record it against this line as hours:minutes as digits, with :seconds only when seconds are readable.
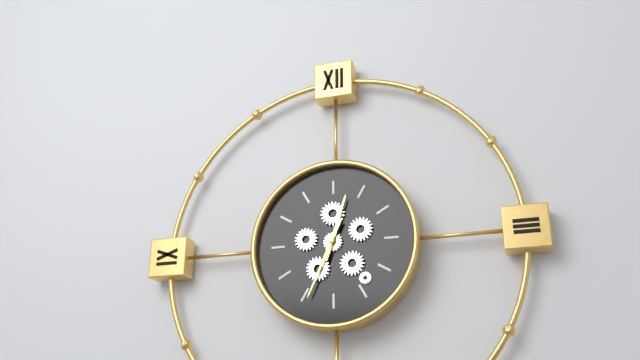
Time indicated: 12:34
